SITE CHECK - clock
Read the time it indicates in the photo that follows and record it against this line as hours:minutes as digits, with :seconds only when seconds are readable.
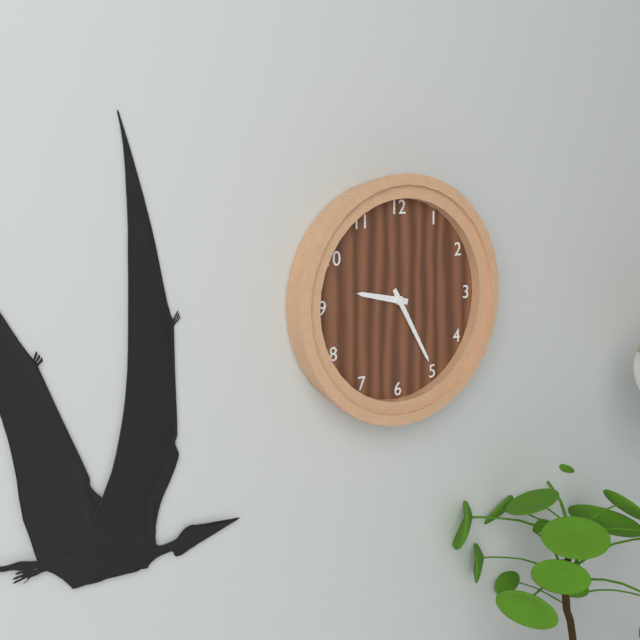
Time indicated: 9:25
